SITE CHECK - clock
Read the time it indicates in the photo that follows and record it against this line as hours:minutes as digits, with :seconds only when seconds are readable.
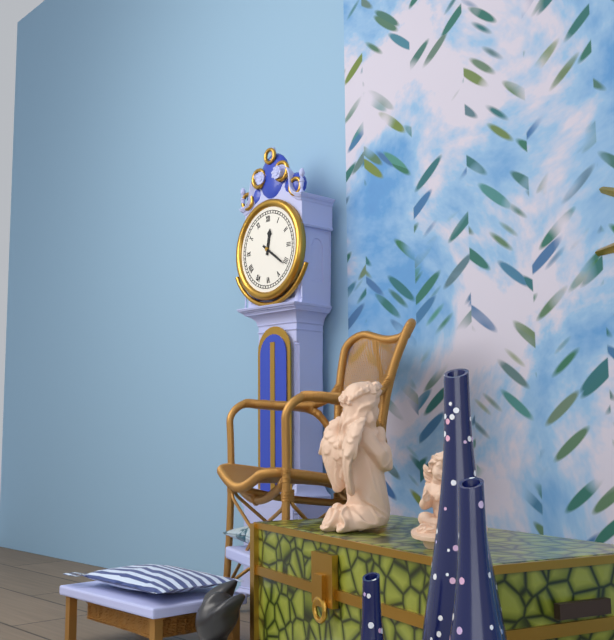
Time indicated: 12:21
